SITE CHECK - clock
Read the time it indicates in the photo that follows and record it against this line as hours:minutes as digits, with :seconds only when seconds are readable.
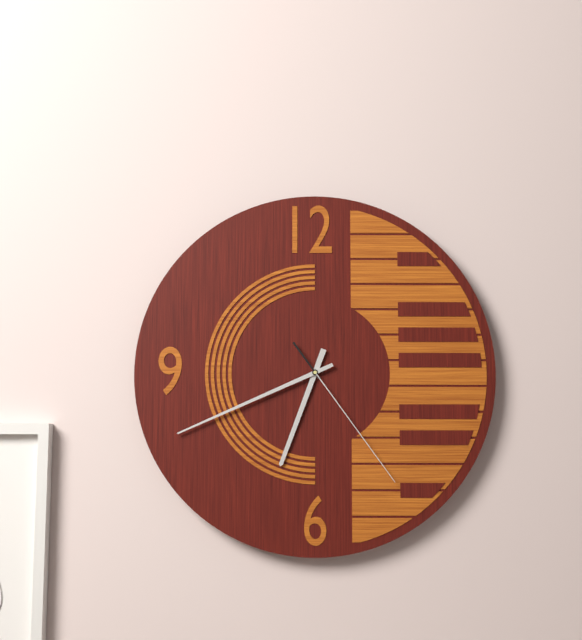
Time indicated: 6:41:24
